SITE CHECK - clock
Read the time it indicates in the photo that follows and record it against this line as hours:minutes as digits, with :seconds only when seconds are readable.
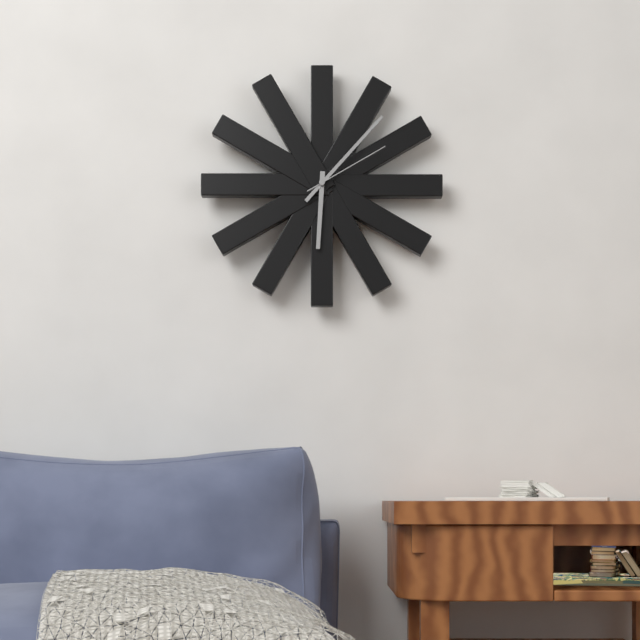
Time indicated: 6:07:10
